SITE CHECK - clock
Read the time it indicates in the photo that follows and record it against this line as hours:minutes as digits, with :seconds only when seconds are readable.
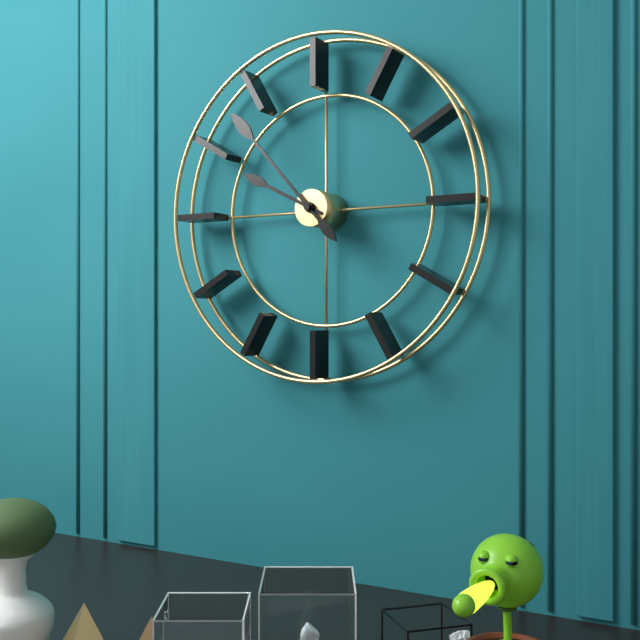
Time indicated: 9:53
